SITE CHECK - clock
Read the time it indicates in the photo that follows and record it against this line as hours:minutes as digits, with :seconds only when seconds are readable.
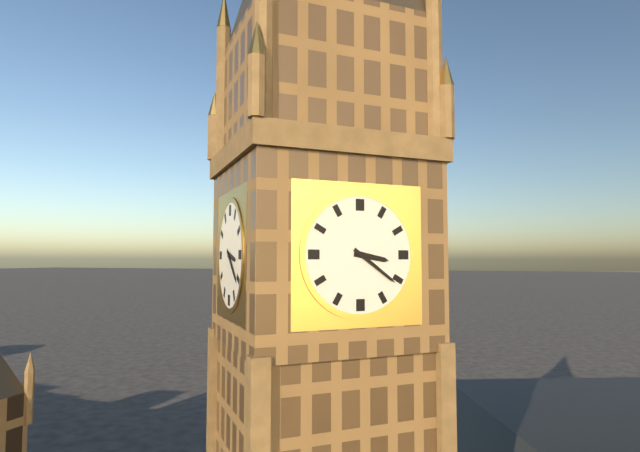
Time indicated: 3:21
